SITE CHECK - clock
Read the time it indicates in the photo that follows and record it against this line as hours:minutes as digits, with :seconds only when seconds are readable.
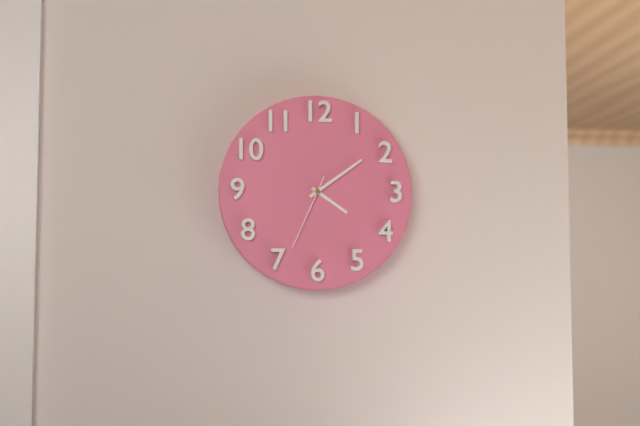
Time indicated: 4:09:34
